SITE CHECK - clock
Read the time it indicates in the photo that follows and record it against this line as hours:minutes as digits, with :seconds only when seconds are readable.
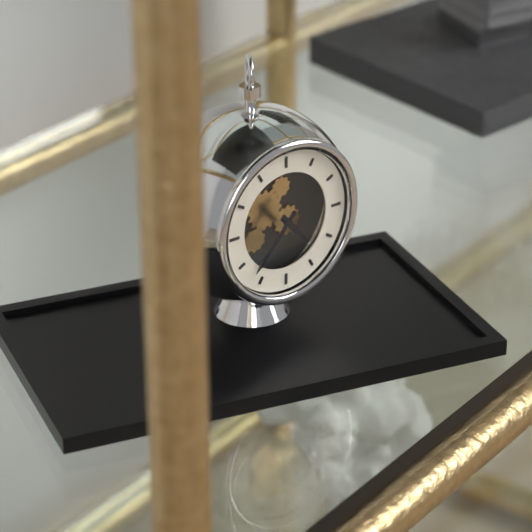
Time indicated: 4:37
